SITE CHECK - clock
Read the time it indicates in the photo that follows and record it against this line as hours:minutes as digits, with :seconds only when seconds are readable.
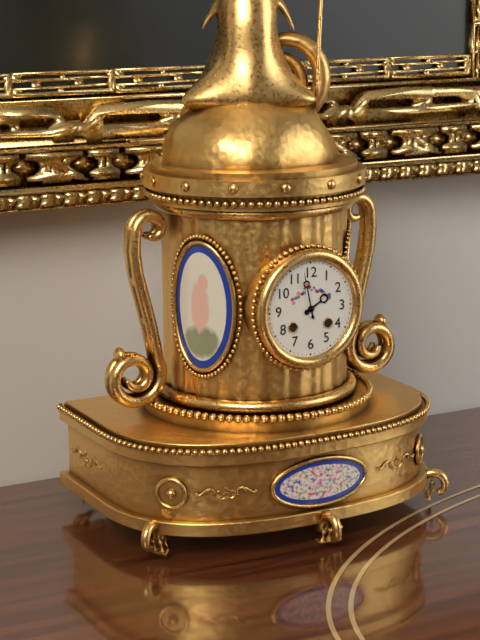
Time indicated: 1:58
